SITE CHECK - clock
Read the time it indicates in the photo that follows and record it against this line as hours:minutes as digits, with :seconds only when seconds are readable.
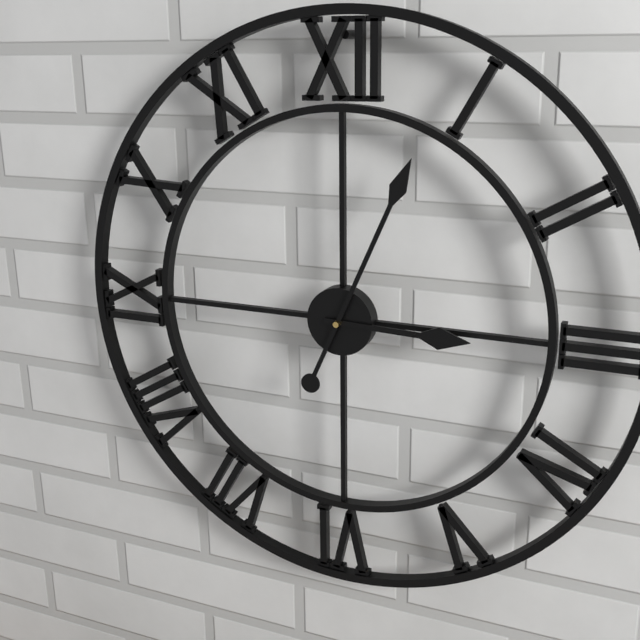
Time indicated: 3:04
